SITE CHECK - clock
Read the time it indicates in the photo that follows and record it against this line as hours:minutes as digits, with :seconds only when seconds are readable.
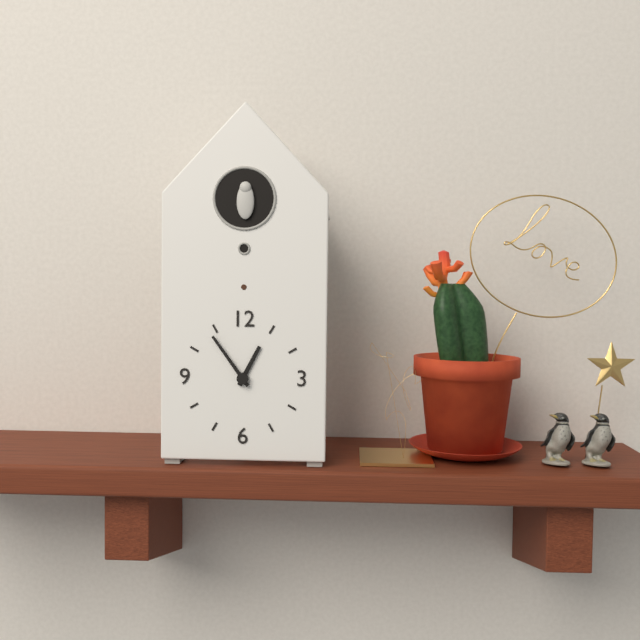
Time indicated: 12:54
